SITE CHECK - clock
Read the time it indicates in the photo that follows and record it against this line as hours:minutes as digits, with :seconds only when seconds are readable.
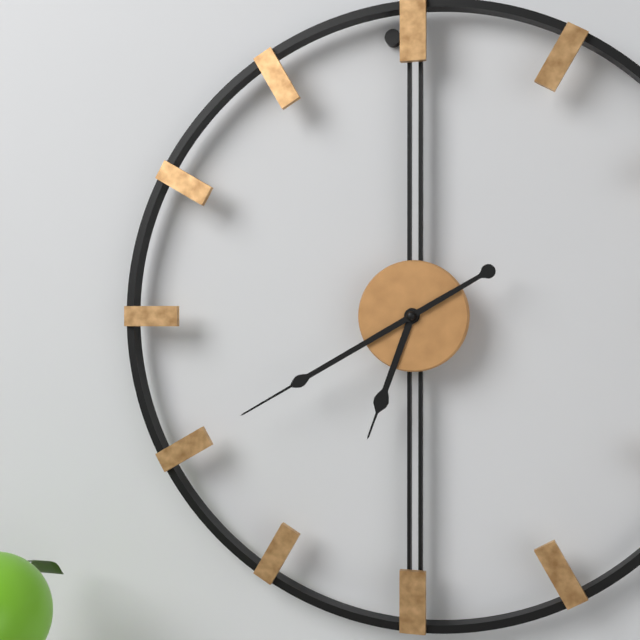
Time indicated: 6:40
